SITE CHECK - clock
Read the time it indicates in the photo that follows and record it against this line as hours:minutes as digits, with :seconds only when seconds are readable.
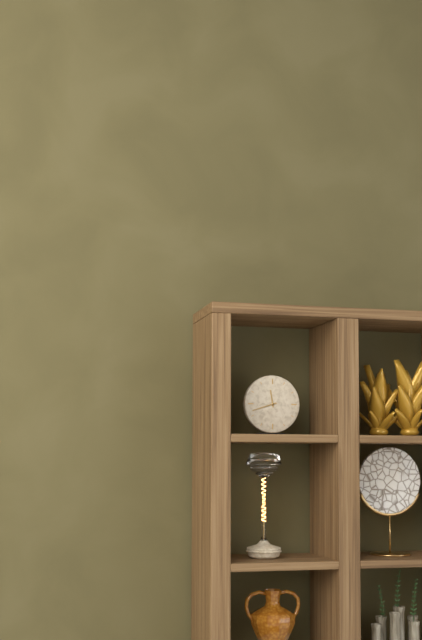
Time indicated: 11:42
